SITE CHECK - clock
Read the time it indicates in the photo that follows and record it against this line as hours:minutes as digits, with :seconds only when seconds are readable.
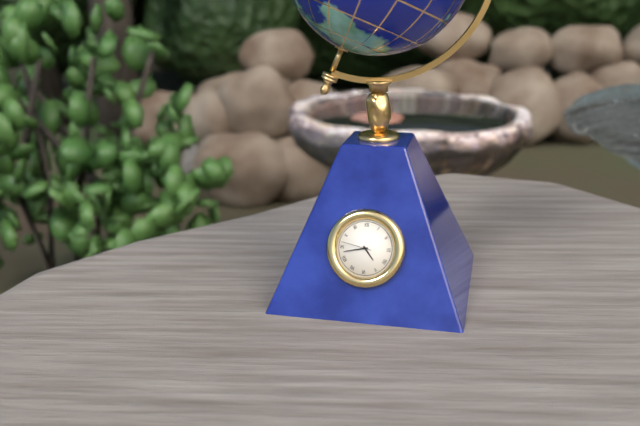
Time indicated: 4:43
